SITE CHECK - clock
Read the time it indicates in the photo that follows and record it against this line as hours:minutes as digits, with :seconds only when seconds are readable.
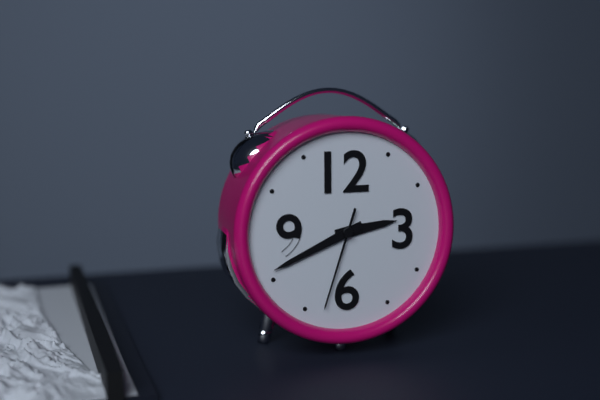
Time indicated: 2:41:33
